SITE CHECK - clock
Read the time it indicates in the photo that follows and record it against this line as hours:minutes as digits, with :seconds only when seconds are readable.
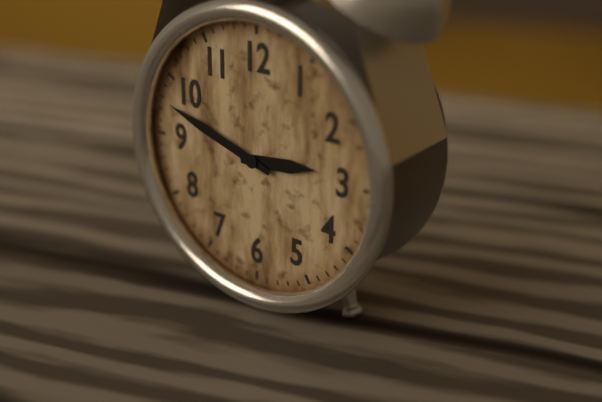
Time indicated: 2:48
